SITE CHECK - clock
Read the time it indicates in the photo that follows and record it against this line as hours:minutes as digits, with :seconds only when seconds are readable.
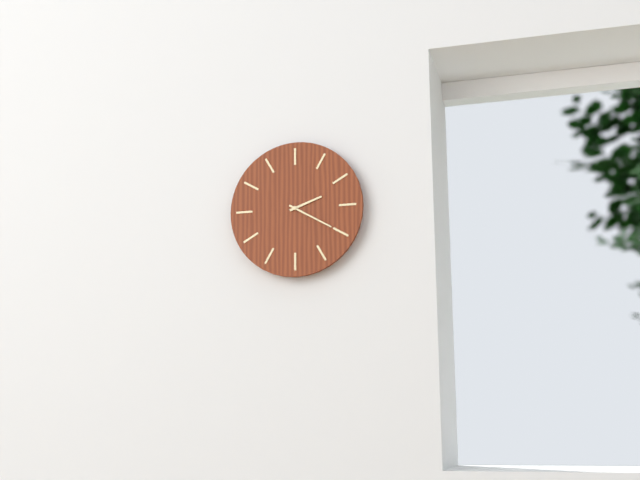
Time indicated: 2:20
